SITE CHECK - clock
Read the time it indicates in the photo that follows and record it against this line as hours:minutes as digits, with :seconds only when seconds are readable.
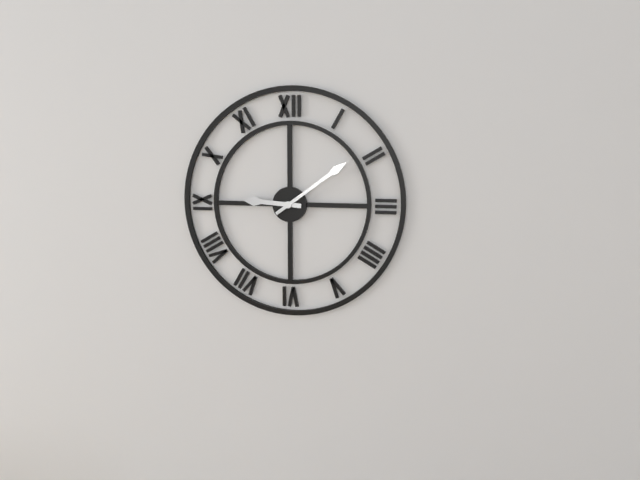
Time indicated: 9:09
